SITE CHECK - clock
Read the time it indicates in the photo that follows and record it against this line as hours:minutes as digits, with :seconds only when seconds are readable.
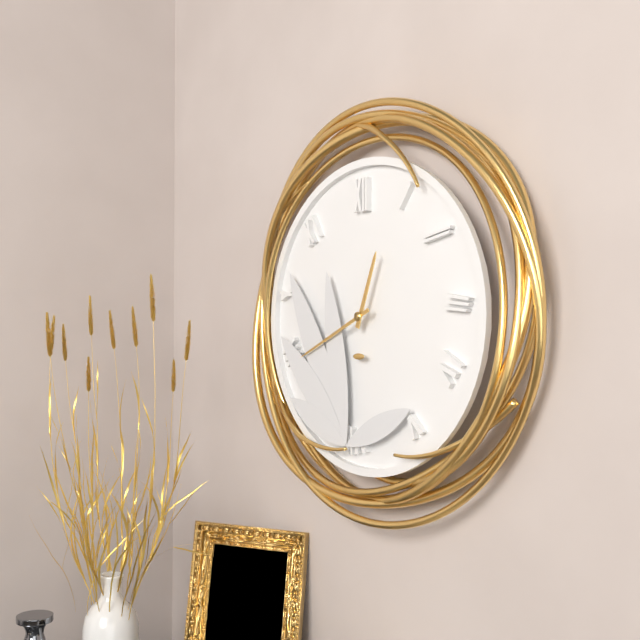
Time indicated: 12:41
